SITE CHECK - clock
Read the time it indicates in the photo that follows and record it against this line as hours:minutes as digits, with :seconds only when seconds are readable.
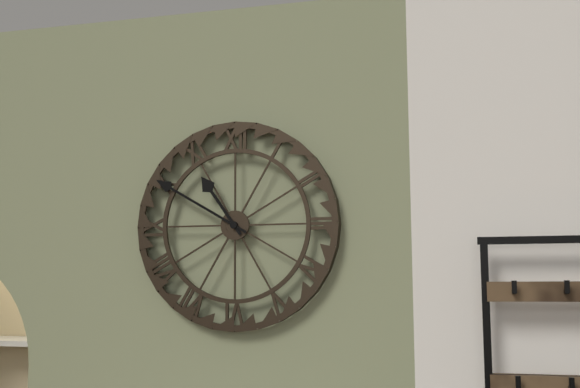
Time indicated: 10:50
